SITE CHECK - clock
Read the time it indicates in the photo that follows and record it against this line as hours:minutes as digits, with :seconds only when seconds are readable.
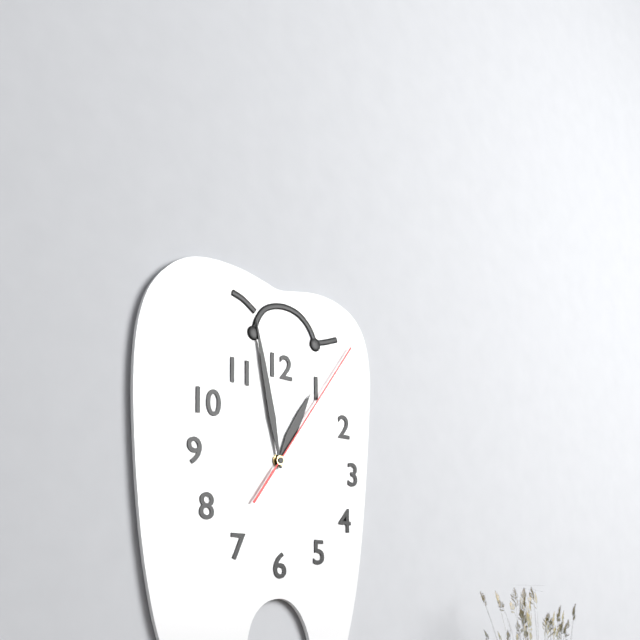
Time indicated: 12:58:06
